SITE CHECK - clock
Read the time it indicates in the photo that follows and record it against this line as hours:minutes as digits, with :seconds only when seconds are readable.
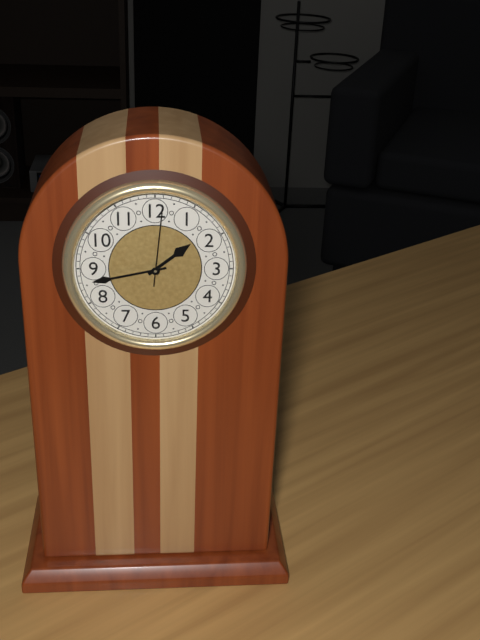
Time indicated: 1:43:01
